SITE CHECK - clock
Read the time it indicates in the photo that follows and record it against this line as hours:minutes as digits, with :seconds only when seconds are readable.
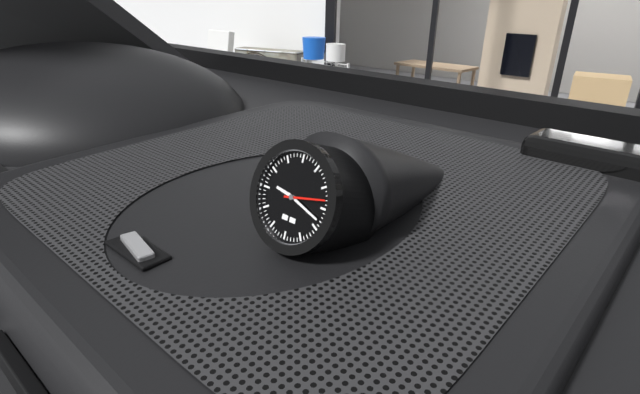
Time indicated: 9:18
